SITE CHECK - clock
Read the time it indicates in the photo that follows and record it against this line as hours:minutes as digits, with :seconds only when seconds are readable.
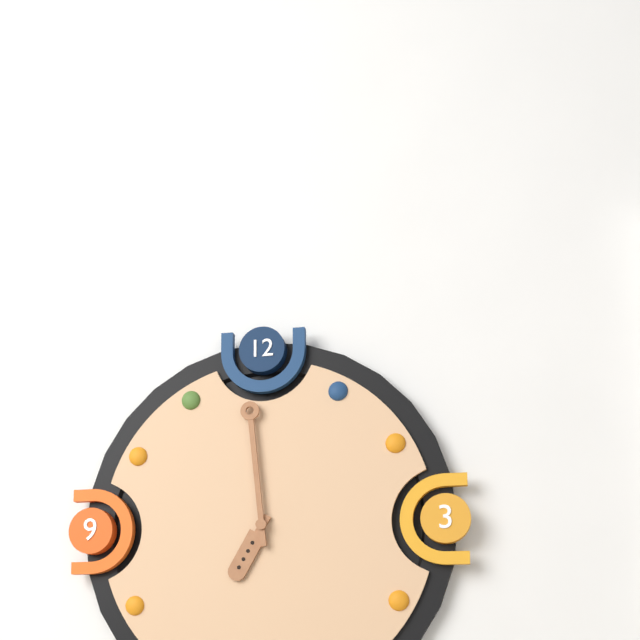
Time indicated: 6:59
